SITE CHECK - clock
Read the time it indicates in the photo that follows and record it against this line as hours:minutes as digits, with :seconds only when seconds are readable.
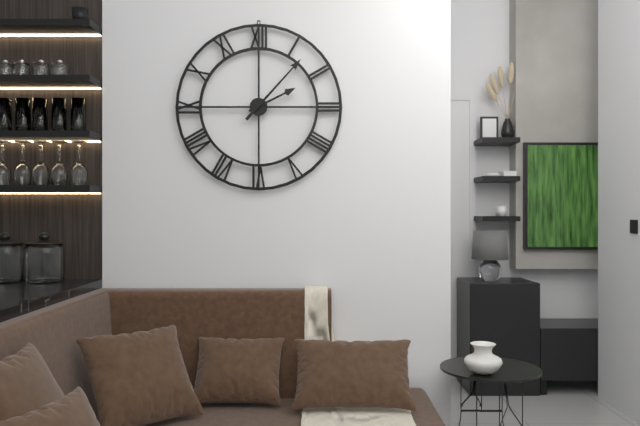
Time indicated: 2:07
